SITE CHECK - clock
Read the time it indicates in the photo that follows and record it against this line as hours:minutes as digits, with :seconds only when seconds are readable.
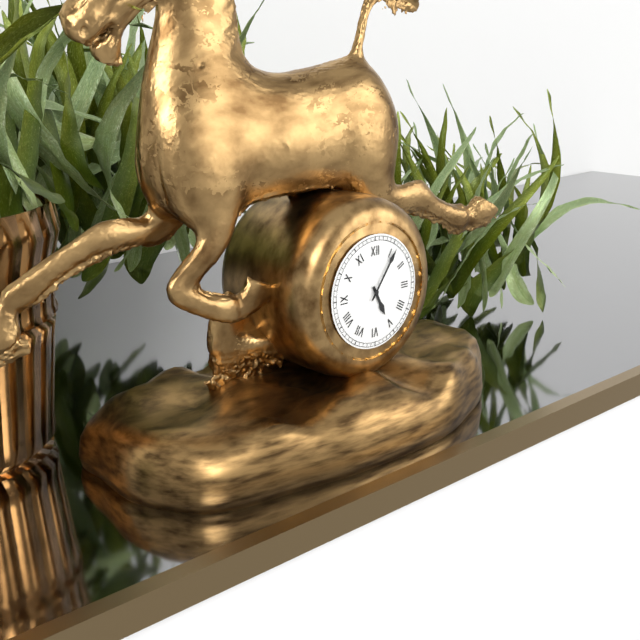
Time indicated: 5:06
